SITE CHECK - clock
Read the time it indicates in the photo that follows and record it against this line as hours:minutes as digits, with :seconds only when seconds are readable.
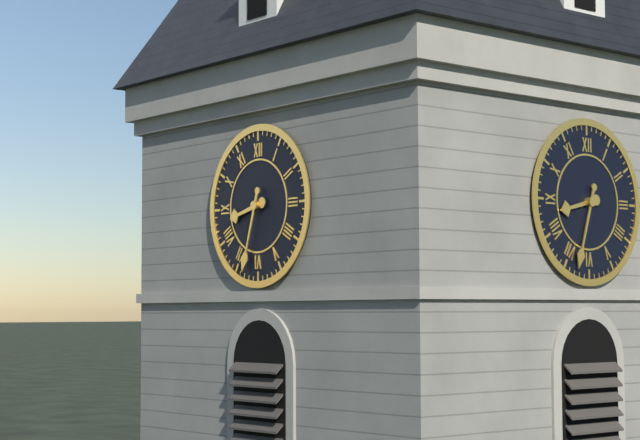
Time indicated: 8:33
